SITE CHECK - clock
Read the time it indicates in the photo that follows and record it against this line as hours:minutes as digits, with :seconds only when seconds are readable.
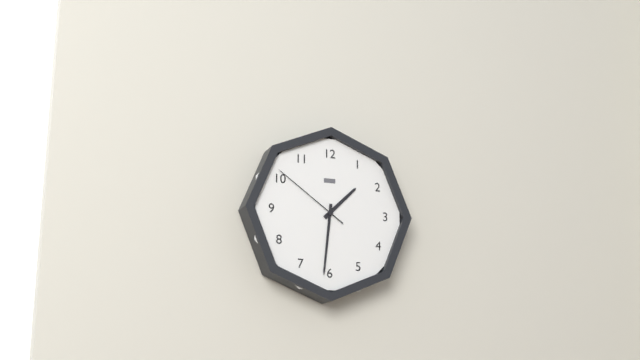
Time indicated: 1:31:51
